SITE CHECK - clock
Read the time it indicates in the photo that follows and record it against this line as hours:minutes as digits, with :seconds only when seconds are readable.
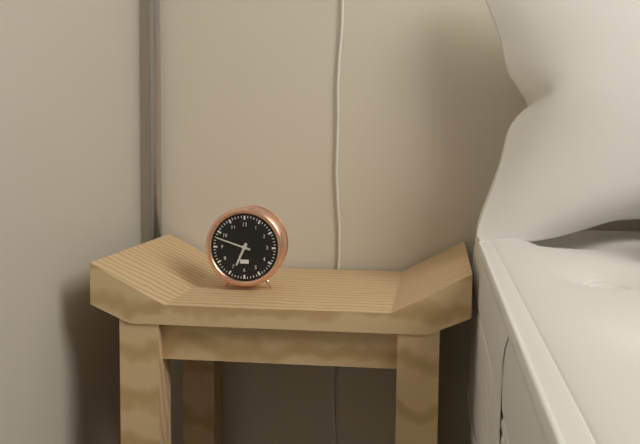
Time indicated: 6:48
